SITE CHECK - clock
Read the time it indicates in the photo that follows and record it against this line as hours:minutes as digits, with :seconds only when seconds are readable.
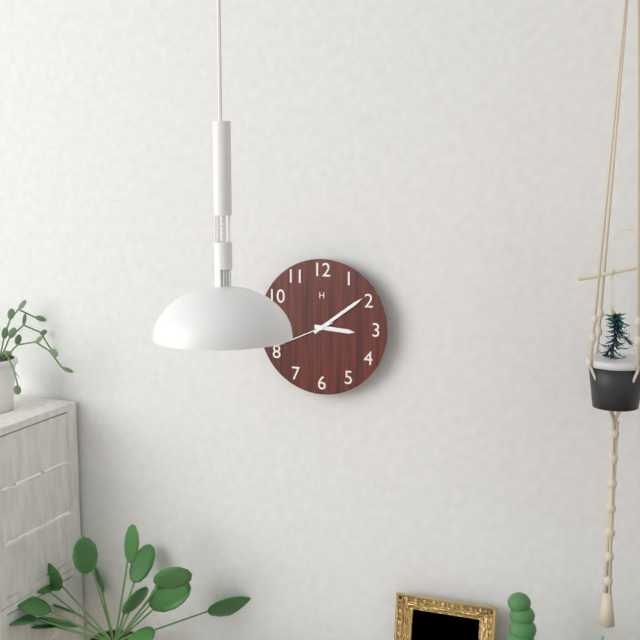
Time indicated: 3:09:41
